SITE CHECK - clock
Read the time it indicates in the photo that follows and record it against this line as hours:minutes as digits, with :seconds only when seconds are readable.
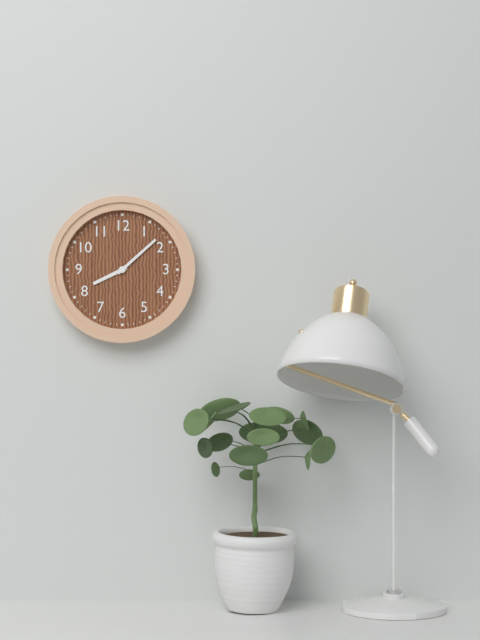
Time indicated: 8:08
